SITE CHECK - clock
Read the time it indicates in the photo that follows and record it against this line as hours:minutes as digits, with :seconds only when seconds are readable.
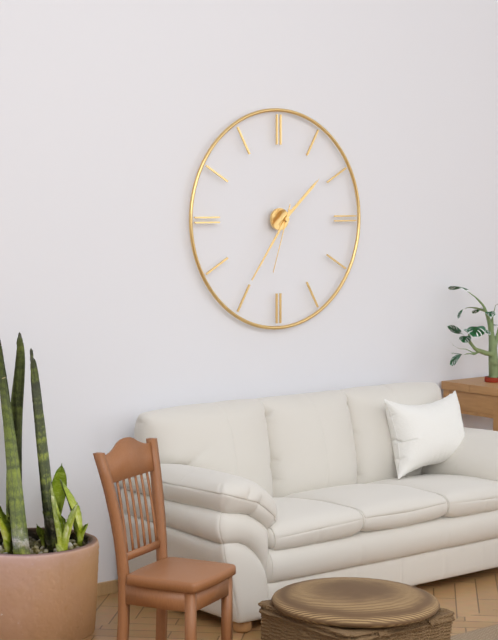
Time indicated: 1:36:33
